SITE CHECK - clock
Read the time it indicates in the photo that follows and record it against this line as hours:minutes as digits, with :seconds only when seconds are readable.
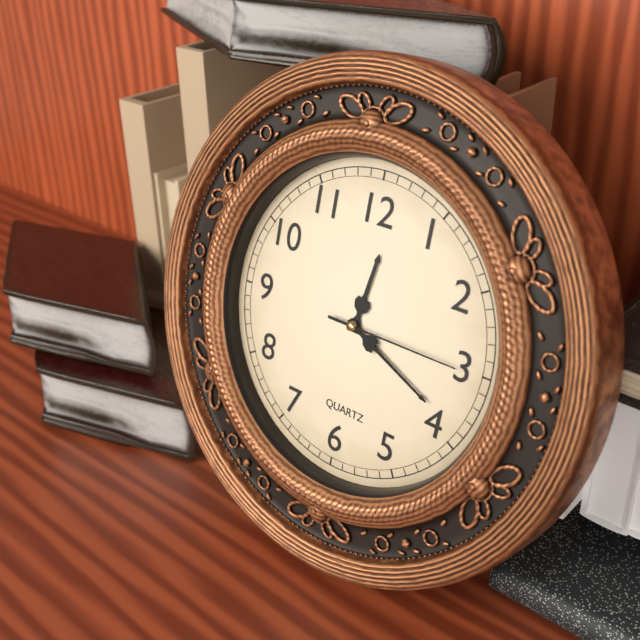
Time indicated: 12:19:15
